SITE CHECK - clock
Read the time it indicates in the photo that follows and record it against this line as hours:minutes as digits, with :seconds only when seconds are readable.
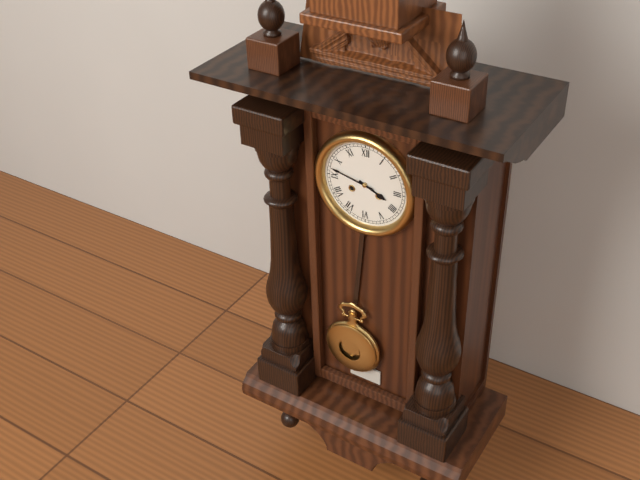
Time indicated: 3:47
